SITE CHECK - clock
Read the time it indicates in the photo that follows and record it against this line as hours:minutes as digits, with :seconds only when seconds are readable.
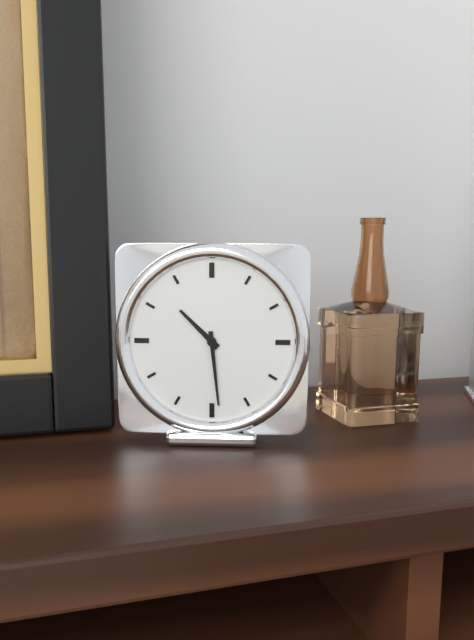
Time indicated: 10:29
